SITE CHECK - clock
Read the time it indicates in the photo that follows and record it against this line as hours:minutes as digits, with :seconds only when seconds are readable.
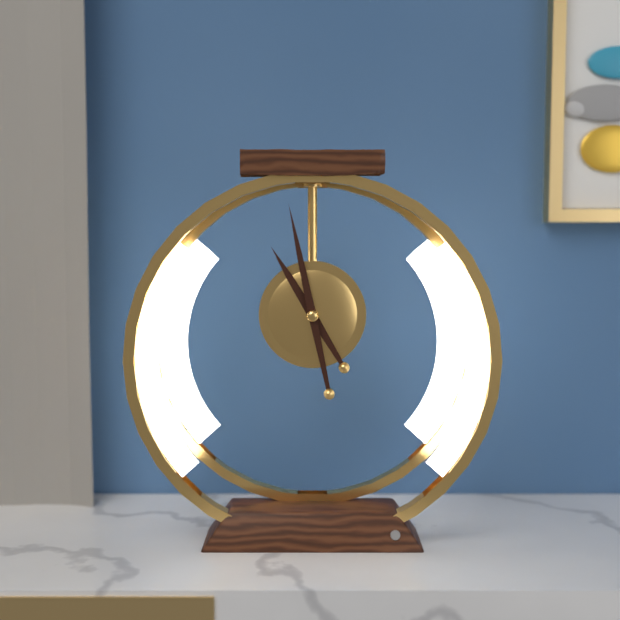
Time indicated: 10:58
